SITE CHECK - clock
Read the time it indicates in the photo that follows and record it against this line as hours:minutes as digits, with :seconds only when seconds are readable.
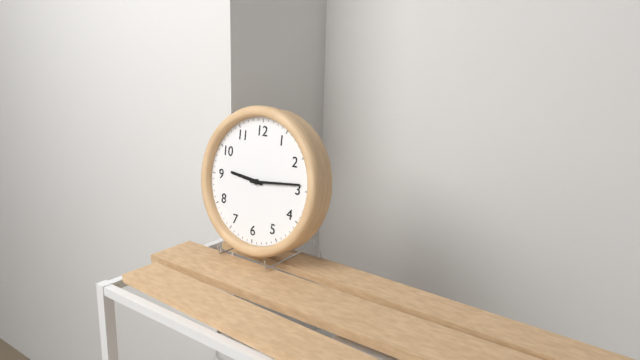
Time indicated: 9:14
